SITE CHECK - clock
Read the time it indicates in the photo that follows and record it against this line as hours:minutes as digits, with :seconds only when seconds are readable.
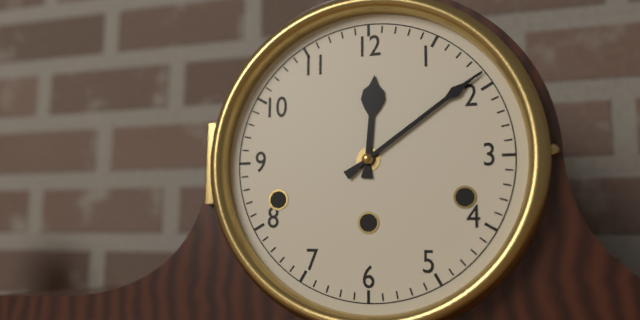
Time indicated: 12:09
